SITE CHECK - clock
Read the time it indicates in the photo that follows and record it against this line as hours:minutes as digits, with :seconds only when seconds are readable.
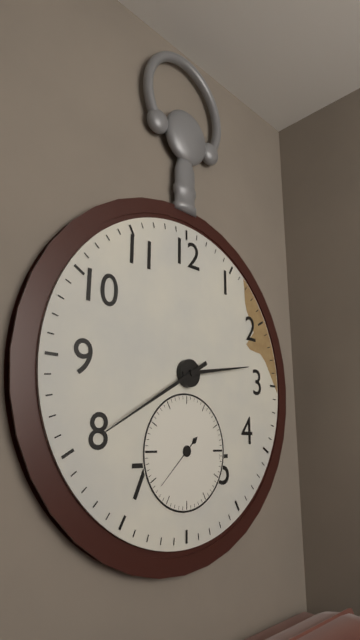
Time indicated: 2:40:38
